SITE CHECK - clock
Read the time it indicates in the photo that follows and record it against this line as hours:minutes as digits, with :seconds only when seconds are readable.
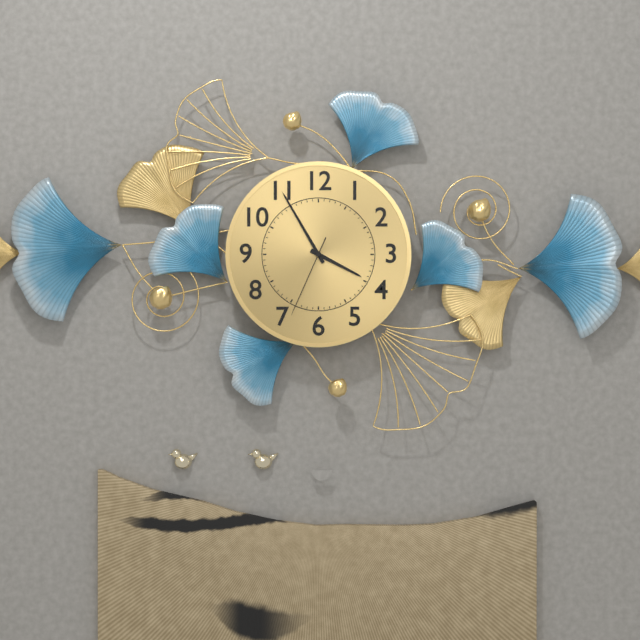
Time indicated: 3:55:34
